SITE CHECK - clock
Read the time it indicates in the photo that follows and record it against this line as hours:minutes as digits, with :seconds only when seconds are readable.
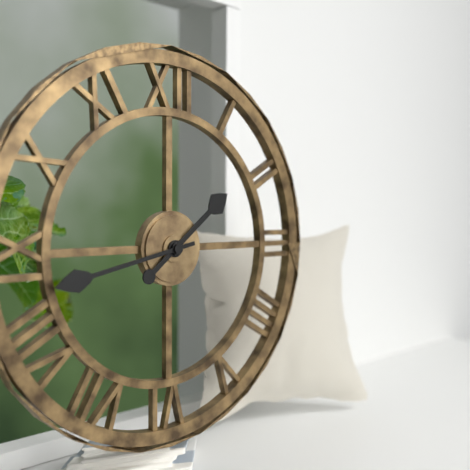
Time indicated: 1:43
